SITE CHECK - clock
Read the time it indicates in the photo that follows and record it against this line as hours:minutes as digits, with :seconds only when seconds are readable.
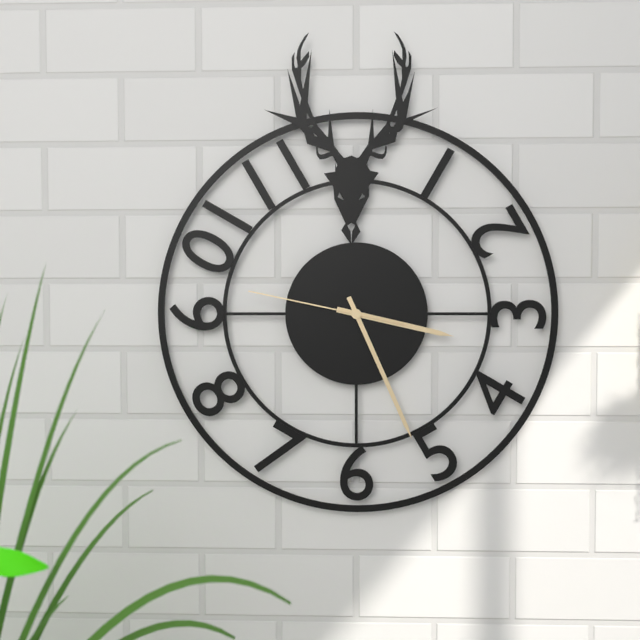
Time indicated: 3:26:47
